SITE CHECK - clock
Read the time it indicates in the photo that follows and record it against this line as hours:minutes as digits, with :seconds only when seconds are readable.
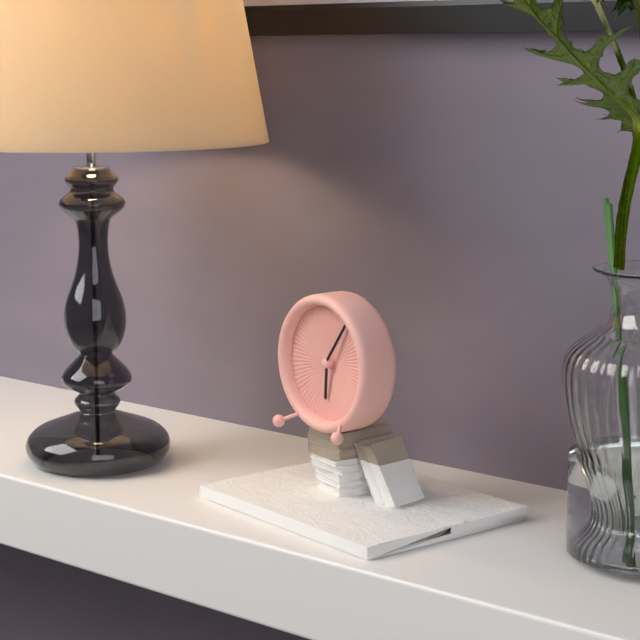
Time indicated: 6:06
